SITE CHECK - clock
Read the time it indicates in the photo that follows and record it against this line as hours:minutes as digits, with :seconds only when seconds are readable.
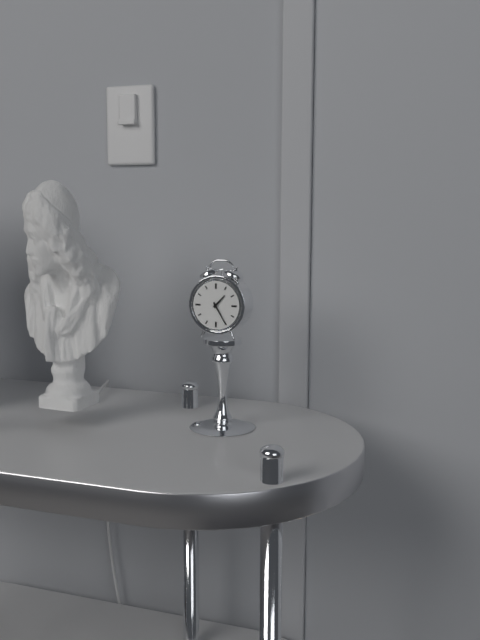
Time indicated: 1:25
